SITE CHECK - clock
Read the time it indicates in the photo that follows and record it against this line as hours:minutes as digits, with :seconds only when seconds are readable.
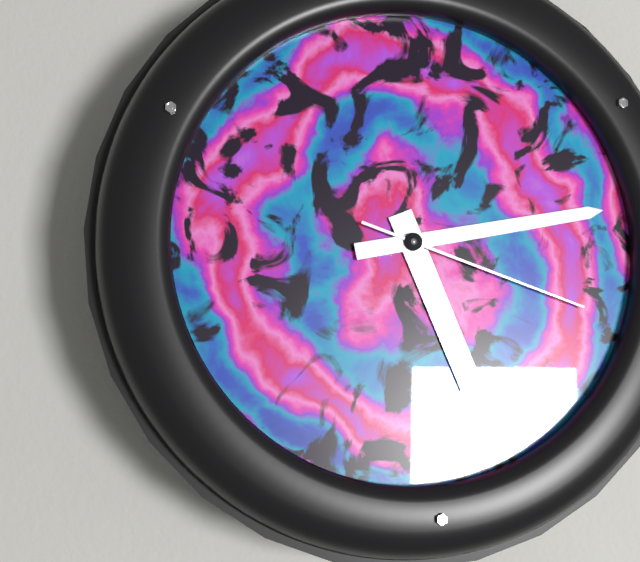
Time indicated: 5:13:18
